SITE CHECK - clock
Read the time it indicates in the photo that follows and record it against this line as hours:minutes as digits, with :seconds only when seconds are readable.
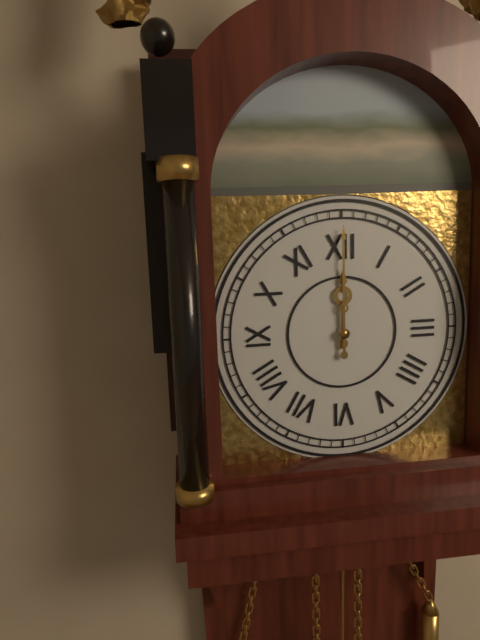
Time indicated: 12:00
